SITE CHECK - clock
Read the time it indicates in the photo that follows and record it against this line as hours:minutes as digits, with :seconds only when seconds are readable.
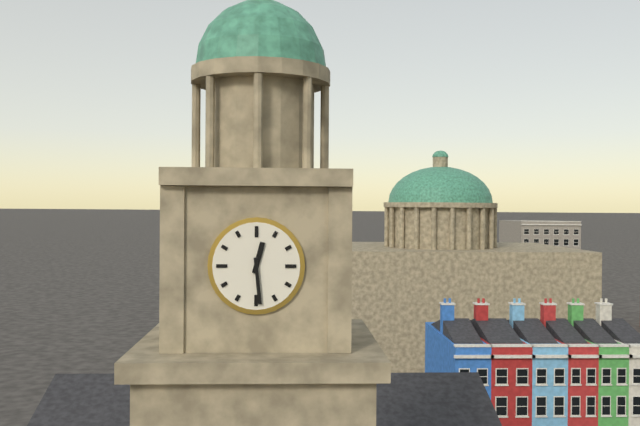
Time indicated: 12:29
